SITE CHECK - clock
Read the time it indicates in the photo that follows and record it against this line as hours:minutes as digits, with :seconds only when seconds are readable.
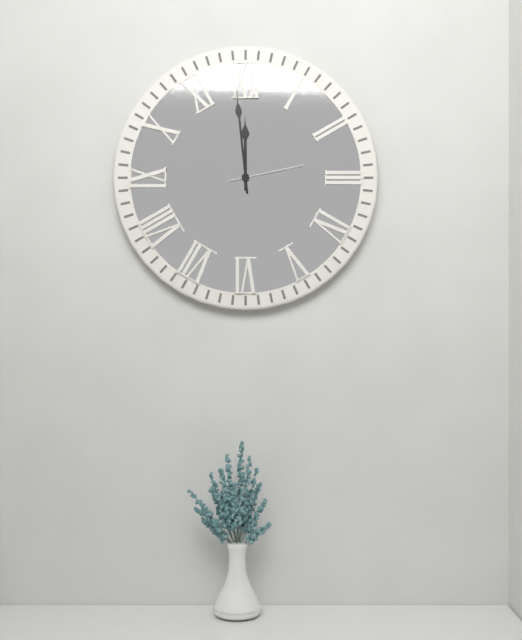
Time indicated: 11:59:13
